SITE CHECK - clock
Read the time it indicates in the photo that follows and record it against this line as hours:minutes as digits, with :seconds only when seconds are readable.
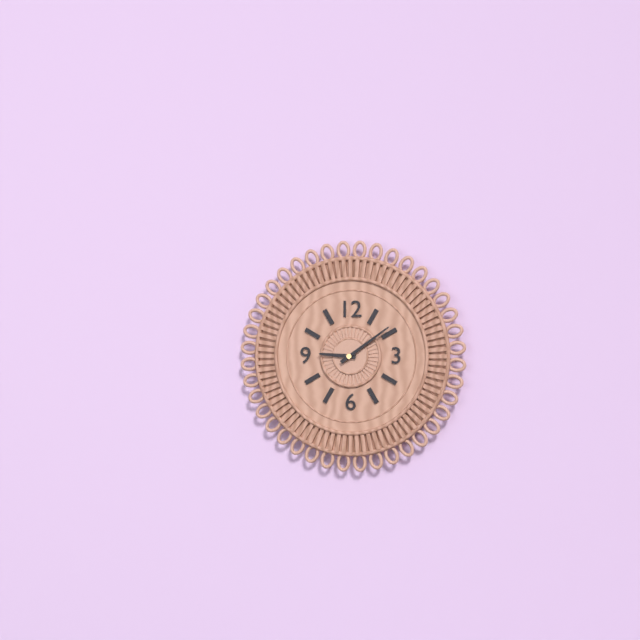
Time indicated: 9:09
